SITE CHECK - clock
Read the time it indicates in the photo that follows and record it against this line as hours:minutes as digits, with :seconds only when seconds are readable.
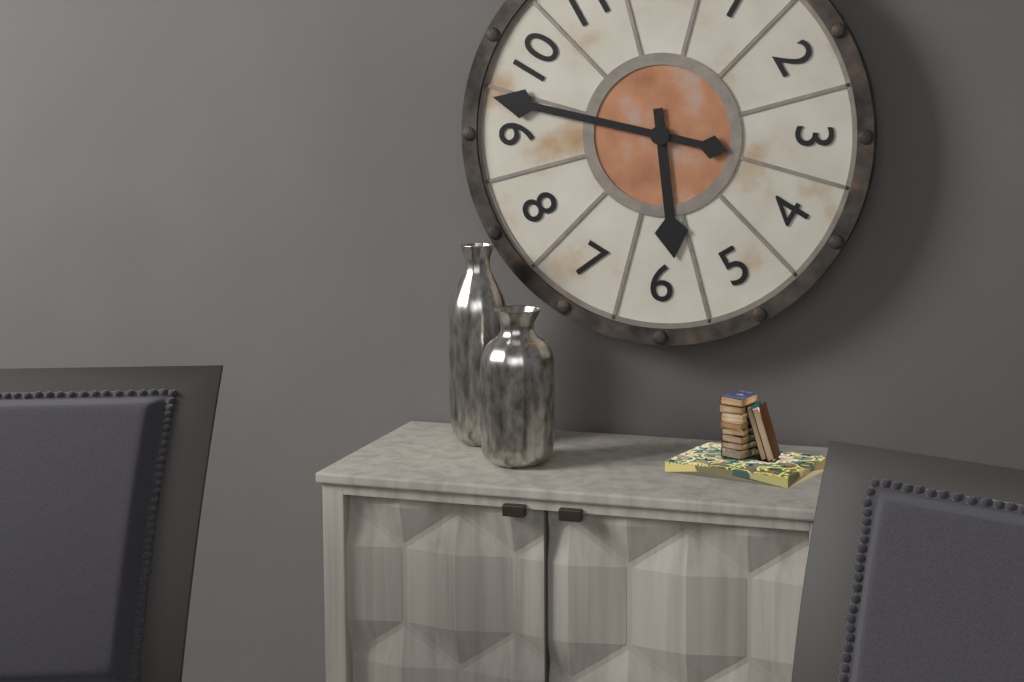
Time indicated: 5:47
